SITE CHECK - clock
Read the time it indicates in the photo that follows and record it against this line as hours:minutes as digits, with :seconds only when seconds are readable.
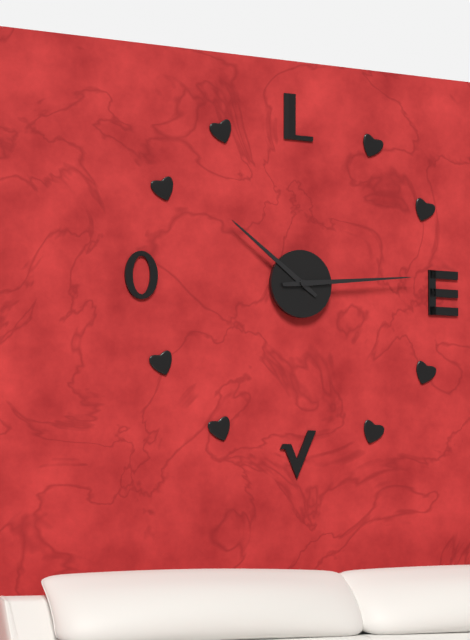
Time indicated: 10:14
